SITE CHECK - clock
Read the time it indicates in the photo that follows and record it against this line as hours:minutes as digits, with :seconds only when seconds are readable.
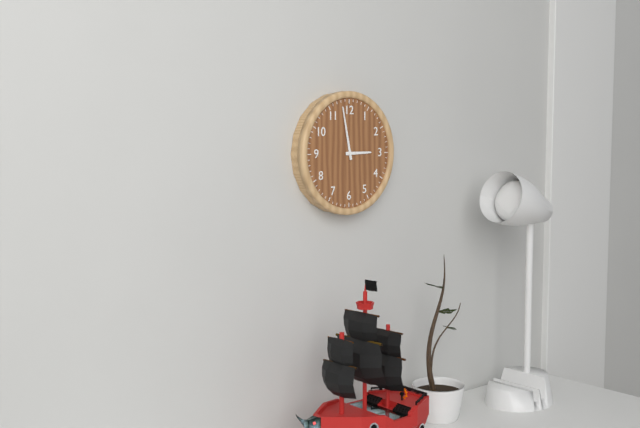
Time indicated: 2:58
